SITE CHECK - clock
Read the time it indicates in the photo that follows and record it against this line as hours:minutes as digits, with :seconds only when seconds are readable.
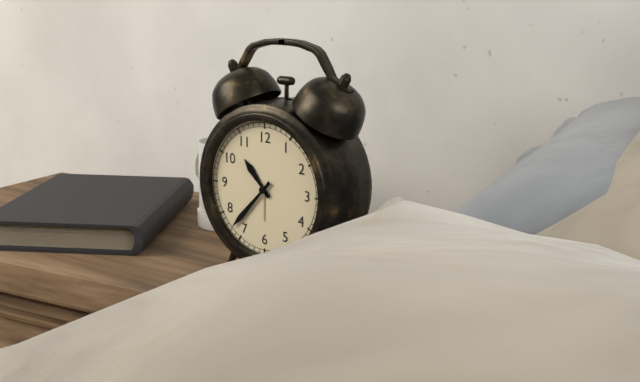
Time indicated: 10:37
